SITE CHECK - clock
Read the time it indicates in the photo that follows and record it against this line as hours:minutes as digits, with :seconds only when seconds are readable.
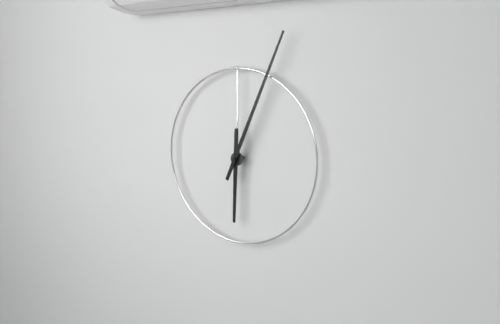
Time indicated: 6:04
